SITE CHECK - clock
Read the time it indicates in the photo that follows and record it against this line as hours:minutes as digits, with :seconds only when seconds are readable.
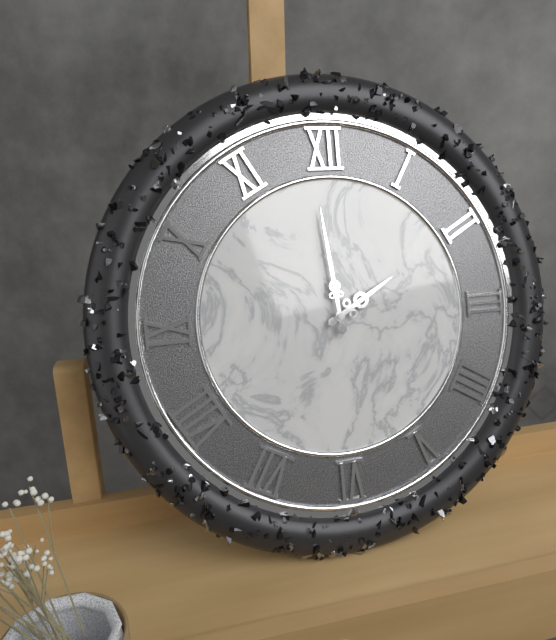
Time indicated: 1:59
